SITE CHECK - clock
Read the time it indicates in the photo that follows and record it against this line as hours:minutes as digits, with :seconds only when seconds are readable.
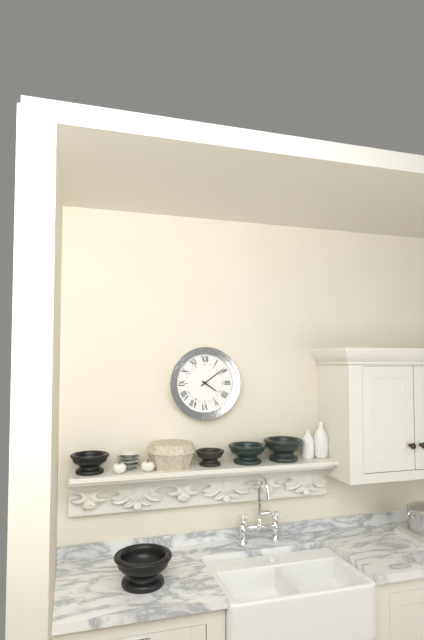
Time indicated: 4:09
